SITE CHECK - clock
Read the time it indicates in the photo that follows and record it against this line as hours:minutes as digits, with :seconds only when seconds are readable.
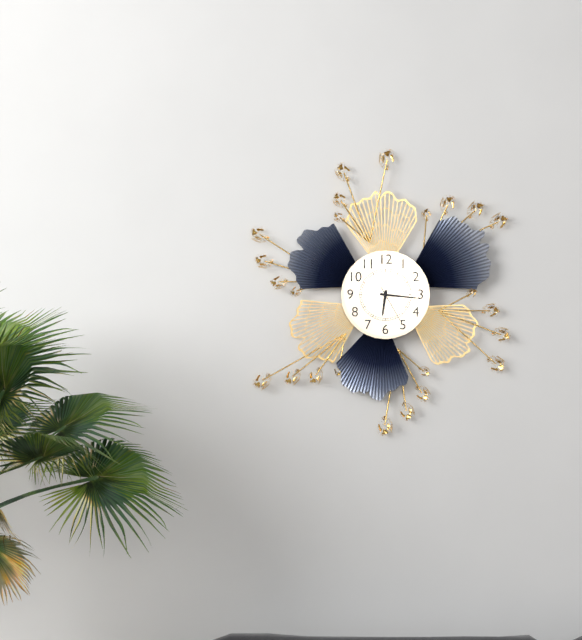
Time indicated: 6:16
